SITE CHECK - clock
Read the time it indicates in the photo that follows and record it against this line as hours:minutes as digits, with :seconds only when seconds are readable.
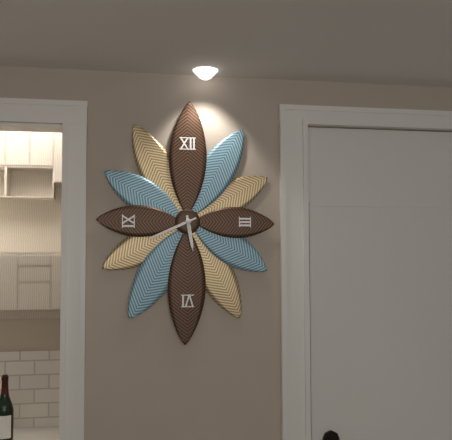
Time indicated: 5:41
